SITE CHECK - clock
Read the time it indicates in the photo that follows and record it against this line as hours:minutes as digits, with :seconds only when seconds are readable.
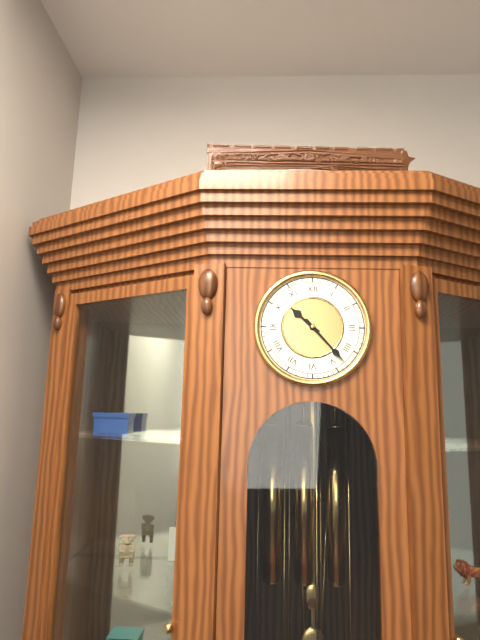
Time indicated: 10:23
